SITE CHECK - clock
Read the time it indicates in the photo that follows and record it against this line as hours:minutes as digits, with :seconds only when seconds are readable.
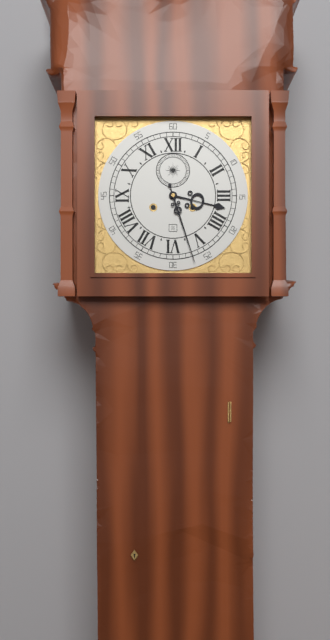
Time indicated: 3:27
